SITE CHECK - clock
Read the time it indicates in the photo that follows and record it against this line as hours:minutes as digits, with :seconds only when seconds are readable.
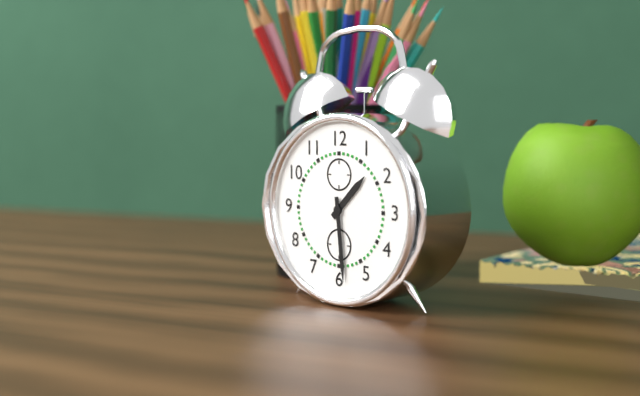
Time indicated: 1:29
